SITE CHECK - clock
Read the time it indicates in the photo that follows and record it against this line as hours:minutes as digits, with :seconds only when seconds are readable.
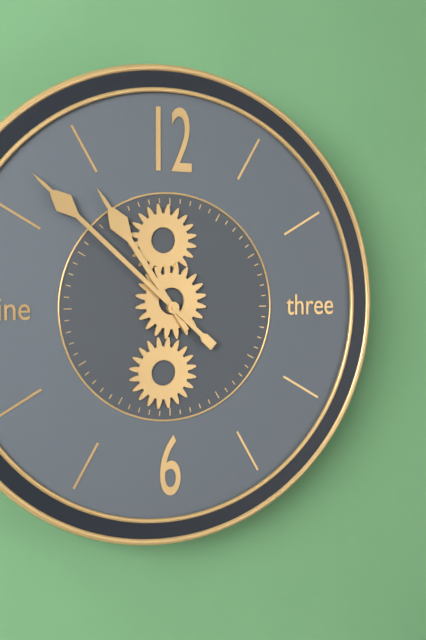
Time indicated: 10:52
